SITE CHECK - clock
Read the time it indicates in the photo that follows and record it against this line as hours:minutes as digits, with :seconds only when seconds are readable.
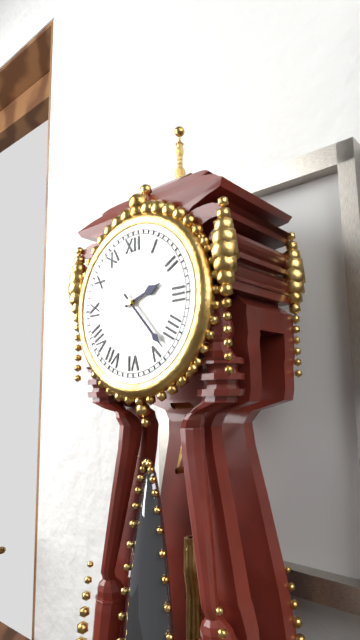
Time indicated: 2:23
